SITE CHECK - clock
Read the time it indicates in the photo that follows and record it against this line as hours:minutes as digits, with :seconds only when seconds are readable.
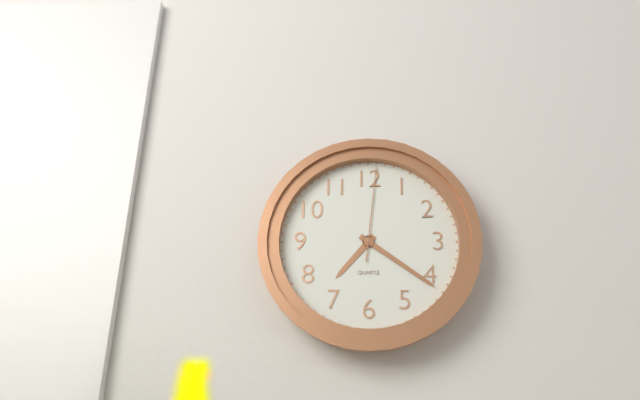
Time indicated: 7:21:01
